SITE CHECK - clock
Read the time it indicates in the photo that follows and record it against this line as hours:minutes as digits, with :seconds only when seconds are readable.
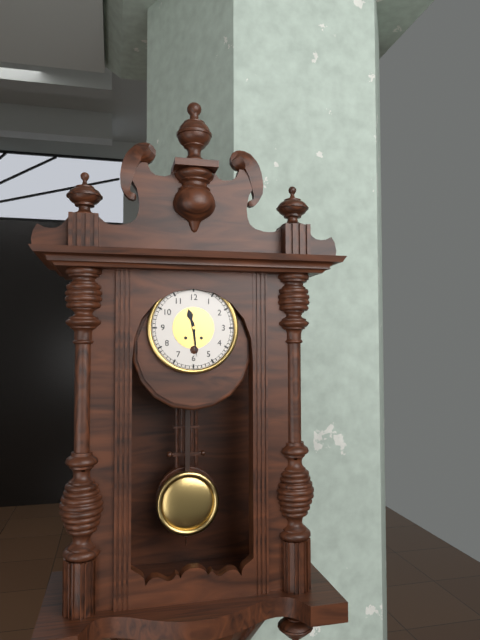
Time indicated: 11:29
